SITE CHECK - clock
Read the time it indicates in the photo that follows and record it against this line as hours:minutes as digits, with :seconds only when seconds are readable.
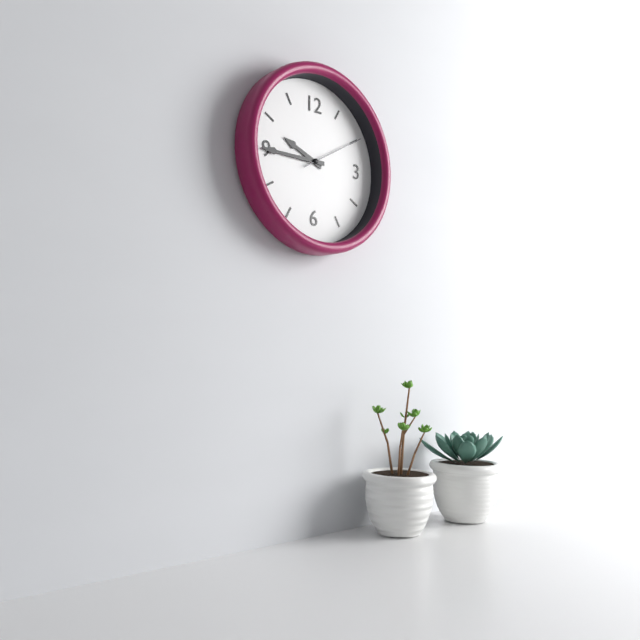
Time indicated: 9:45:10
